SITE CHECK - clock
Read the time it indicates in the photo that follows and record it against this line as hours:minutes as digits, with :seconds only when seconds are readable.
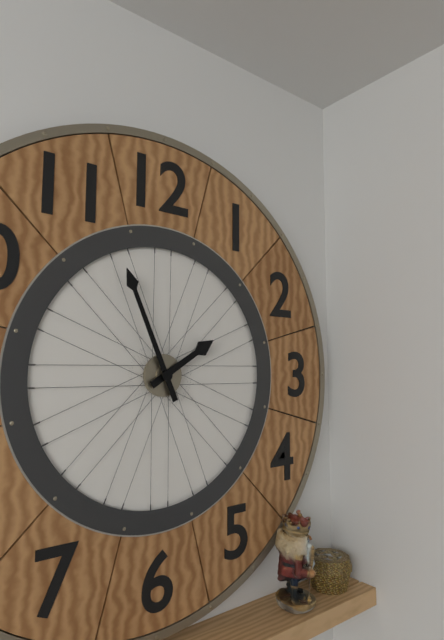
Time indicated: 1:56
